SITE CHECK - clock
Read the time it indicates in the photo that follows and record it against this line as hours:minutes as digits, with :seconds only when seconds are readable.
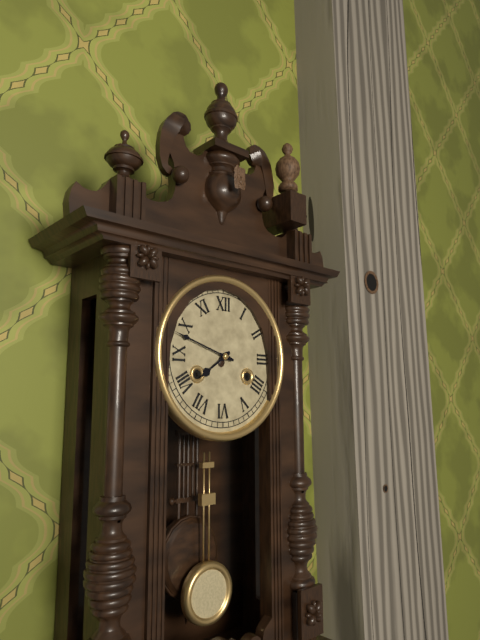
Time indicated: 7:48
